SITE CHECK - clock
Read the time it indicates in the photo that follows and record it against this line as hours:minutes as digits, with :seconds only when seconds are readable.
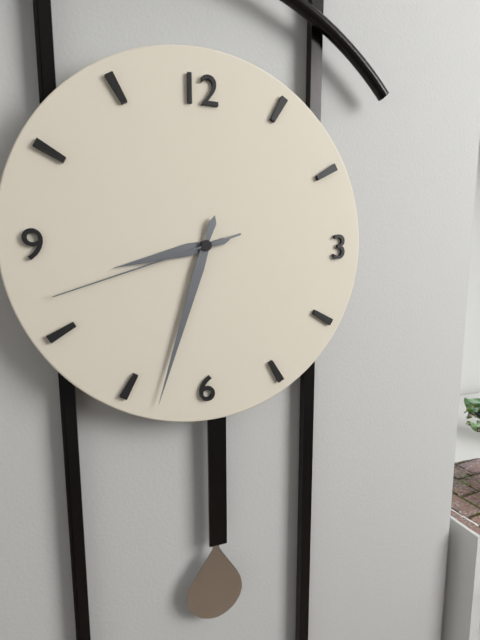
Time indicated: 8:33:42
